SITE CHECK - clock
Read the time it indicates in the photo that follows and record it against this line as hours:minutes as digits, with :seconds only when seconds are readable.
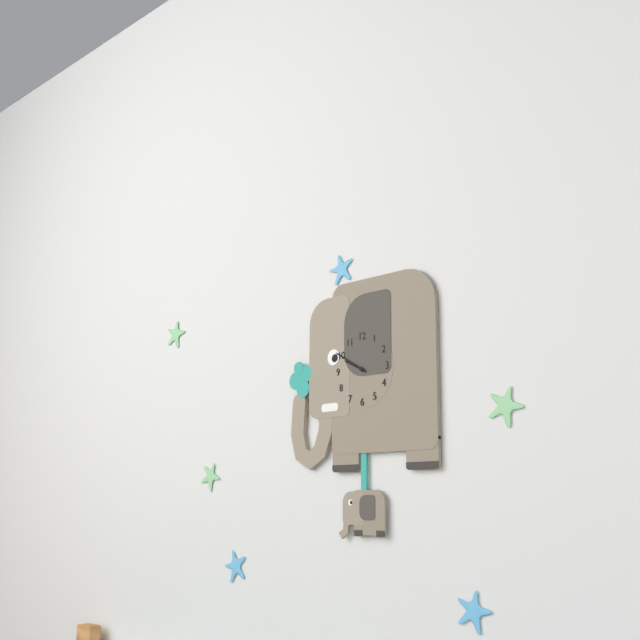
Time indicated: 9:50
